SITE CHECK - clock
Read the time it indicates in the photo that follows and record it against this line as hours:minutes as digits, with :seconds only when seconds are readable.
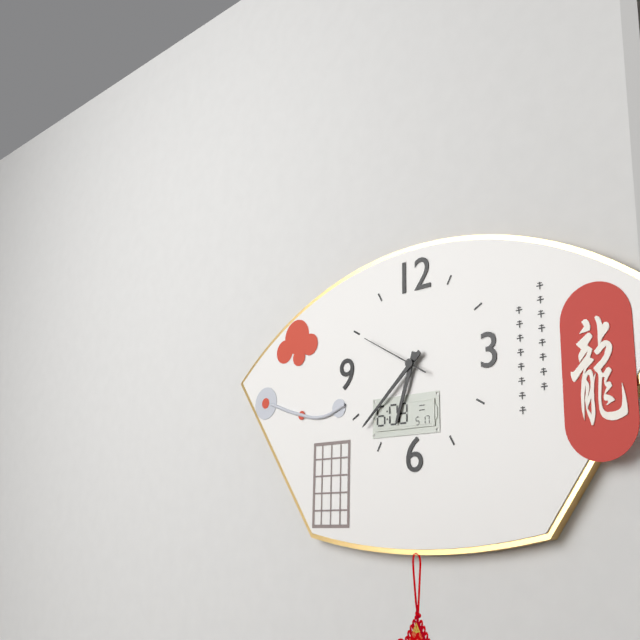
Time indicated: 6:38:50
